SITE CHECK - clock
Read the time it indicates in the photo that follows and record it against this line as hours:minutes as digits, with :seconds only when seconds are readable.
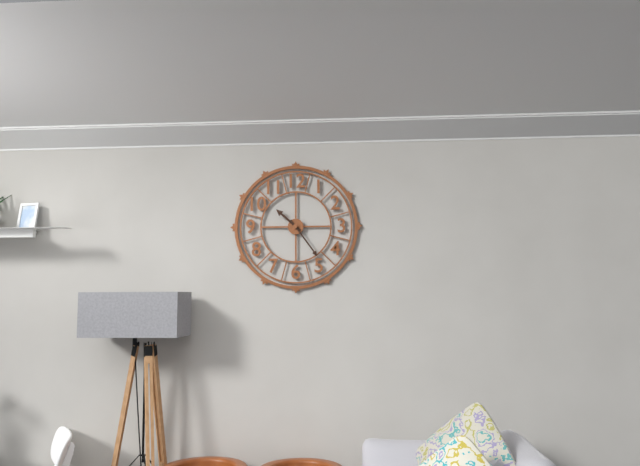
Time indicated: 10:24
